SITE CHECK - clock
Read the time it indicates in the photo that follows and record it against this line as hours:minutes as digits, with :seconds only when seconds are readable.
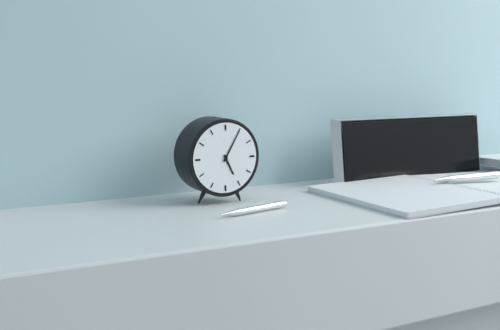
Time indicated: 5:05
